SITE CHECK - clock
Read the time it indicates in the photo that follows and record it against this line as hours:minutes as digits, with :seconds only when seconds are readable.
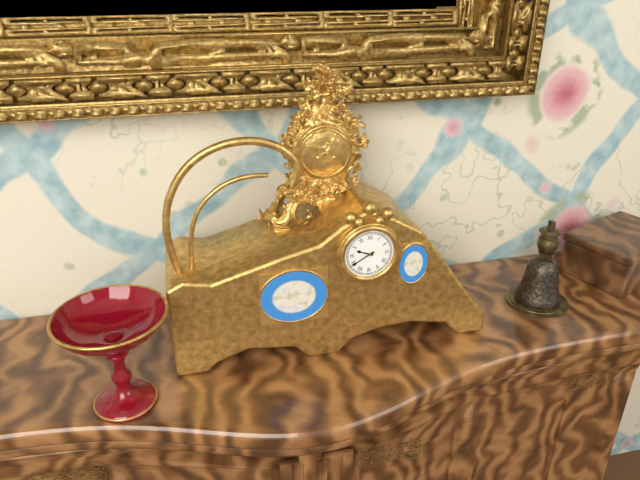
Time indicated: 9:40
